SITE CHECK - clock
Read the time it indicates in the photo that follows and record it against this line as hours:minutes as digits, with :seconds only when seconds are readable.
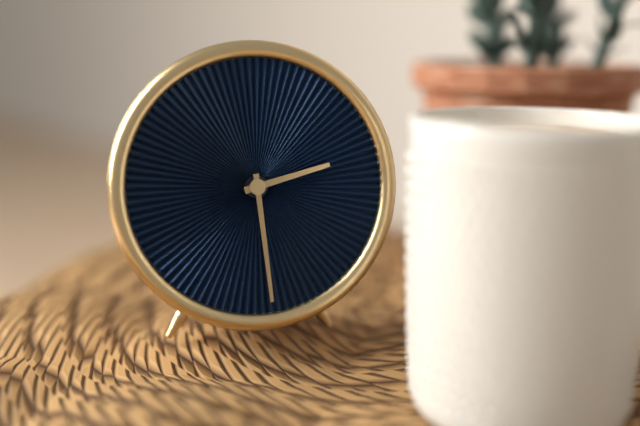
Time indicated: 2:29
